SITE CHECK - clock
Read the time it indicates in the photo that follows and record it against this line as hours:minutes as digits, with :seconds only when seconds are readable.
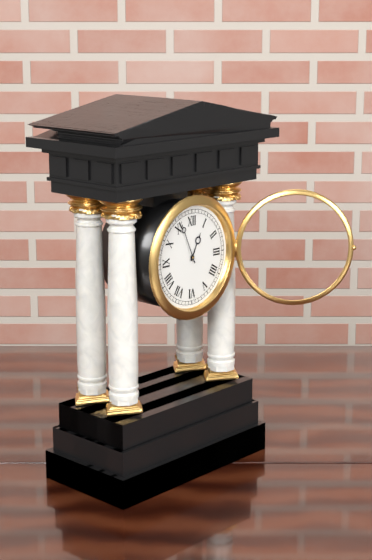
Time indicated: 12:56
